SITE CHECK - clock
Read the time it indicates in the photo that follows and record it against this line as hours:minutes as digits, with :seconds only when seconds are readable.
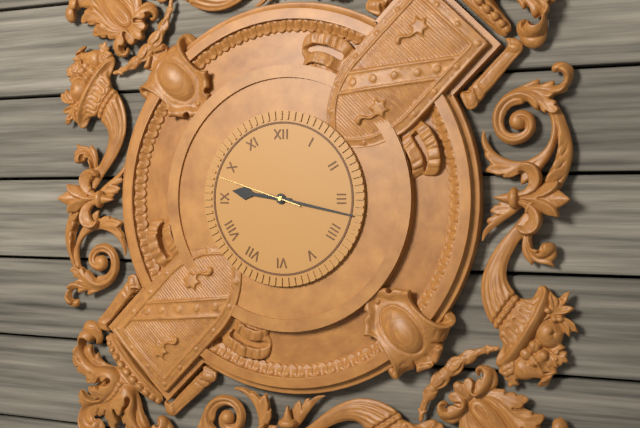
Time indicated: 9:17:48
